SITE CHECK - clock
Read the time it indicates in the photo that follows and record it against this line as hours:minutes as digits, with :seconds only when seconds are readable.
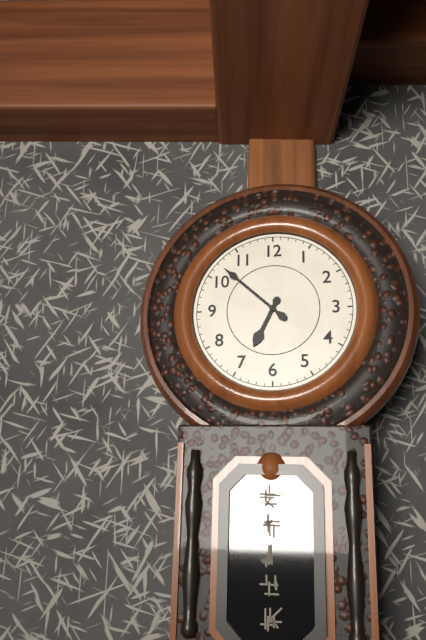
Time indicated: 6:52
